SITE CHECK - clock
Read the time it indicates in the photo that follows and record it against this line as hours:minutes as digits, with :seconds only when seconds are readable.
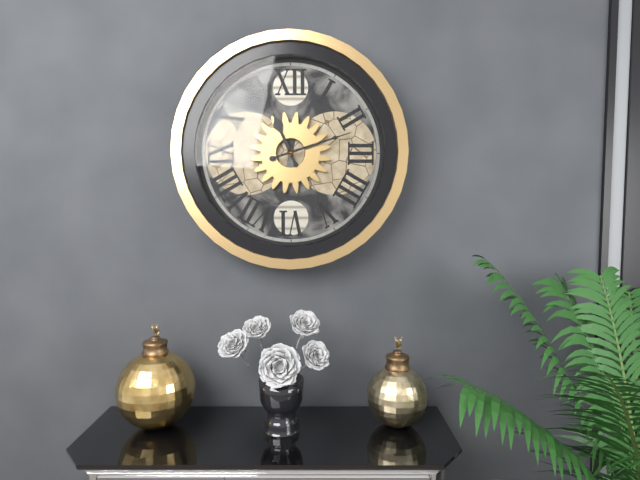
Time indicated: 11:12
